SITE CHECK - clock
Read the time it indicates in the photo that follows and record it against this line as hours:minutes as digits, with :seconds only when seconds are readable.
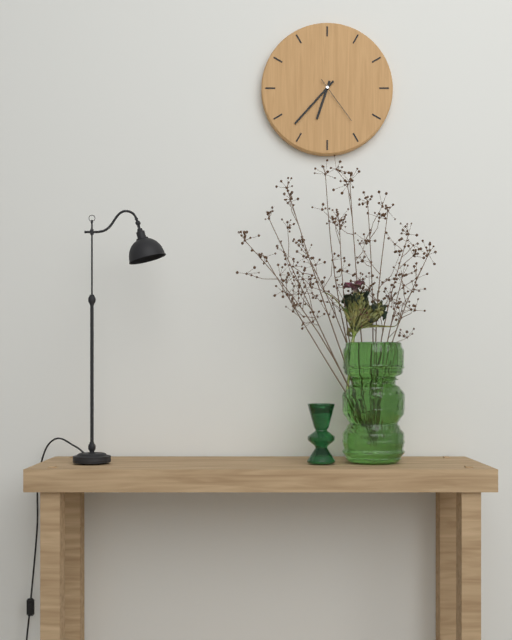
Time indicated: 6:37
